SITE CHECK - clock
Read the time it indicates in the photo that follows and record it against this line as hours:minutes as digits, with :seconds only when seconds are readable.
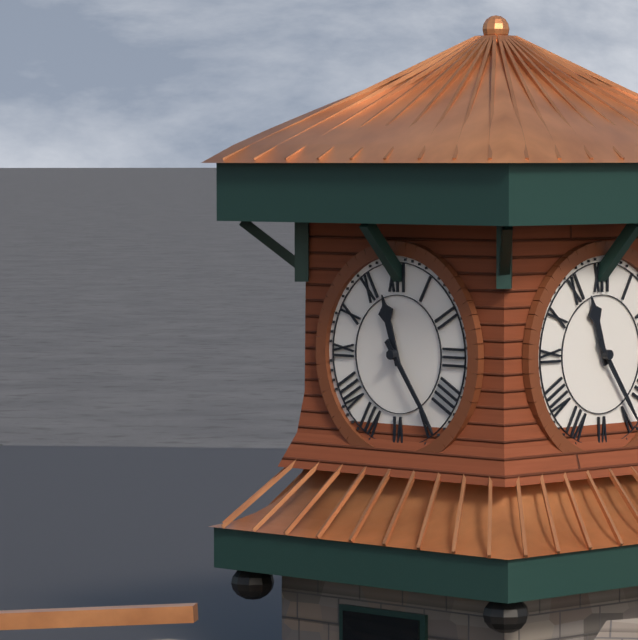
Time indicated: 11:24
